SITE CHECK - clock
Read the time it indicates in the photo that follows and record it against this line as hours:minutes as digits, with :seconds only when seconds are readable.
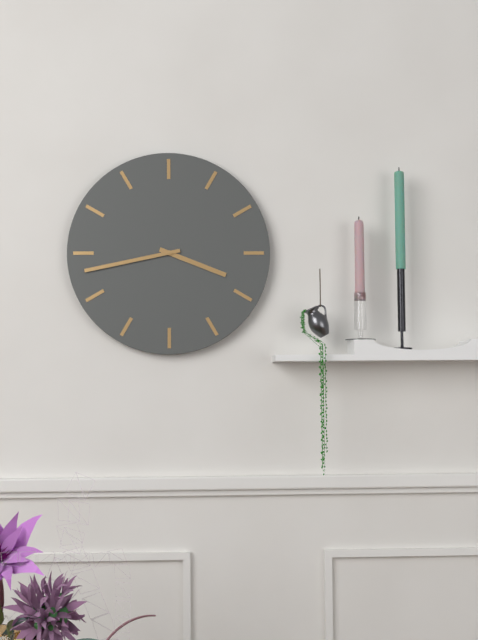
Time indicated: 3:43
